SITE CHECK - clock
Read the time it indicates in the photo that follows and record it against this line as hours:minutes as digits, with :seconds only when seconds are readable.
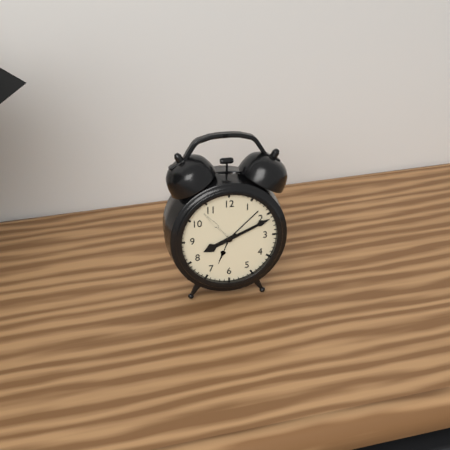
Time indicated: 8:11
